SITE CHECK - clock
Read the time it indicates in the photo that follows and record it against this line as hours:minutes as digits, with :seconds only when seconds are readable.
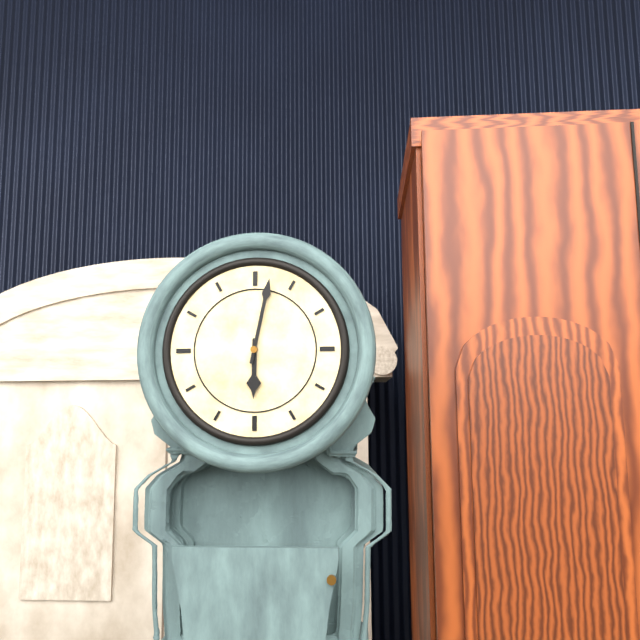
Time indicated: 6:02
